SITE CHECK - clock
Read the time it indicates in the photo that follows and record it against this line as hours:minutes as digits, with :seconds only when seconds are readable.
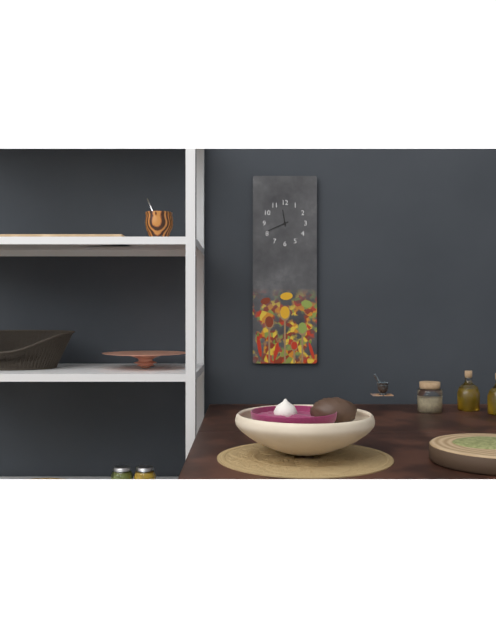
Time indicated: 11:41
